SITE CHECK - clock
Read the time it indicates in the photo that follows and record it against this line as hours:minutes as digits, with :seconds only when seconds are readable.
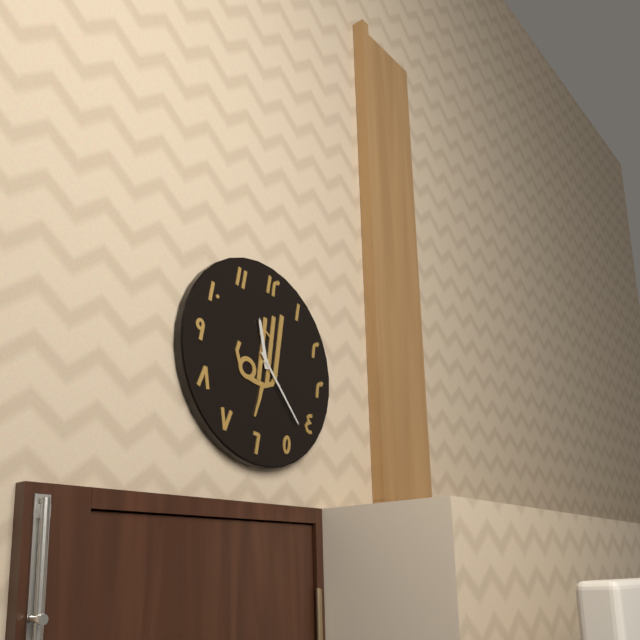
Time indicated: 11:22
